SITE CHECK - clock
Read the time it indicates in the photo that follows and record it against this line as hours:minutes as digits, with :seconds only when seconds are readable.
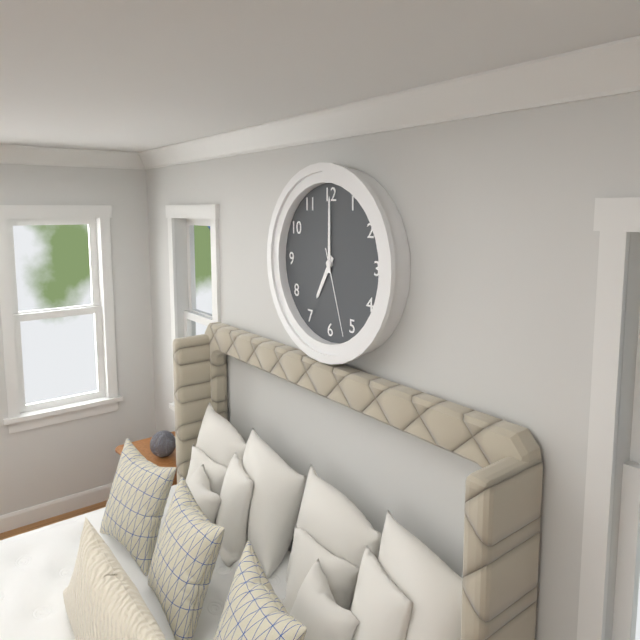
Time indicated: 7:00:27
